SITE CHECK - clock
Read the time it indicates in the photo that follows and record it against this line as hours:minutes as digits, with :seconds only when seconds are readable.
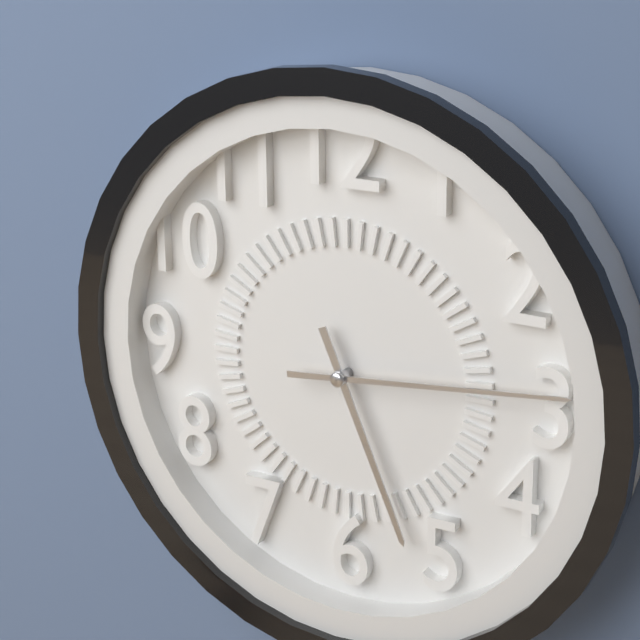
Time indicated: 5:14
